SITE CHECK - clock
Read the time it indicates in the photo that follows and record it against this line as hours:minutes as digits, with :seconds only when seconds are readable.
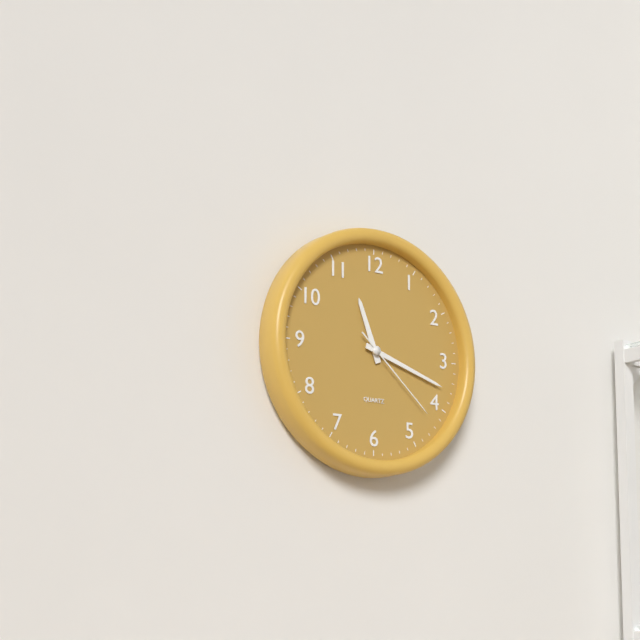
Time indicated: 11:18:22
